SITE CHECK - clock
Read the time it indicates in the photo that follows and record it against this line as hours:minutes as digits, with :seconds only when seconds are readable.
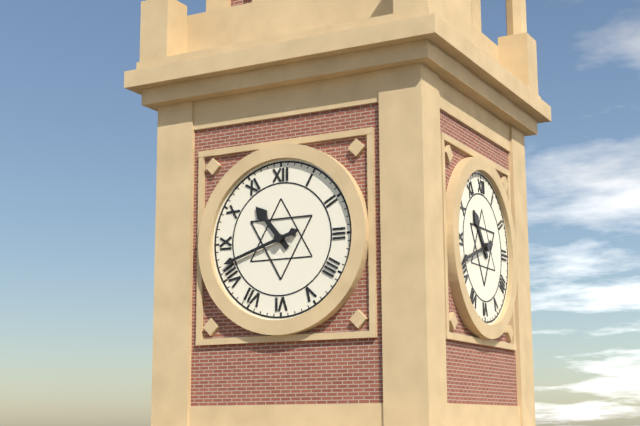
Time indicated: 10:42
